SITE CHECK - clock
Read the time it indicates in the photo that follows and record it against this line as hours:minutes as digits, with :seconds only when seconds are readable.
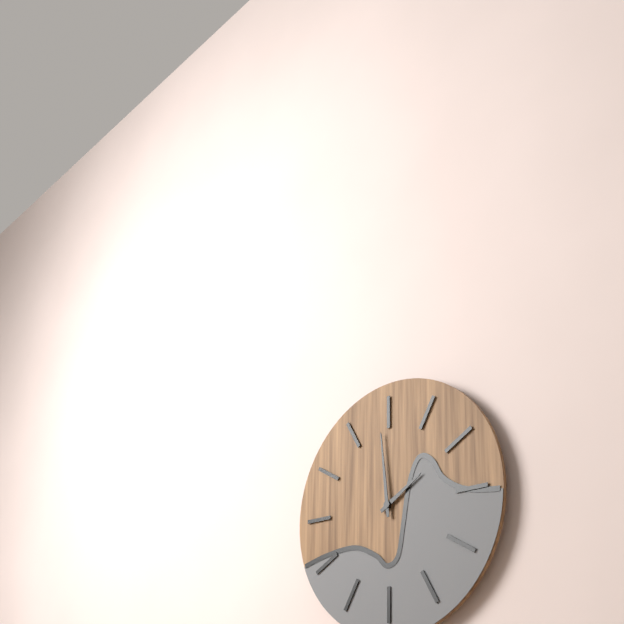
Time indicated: 1:59
